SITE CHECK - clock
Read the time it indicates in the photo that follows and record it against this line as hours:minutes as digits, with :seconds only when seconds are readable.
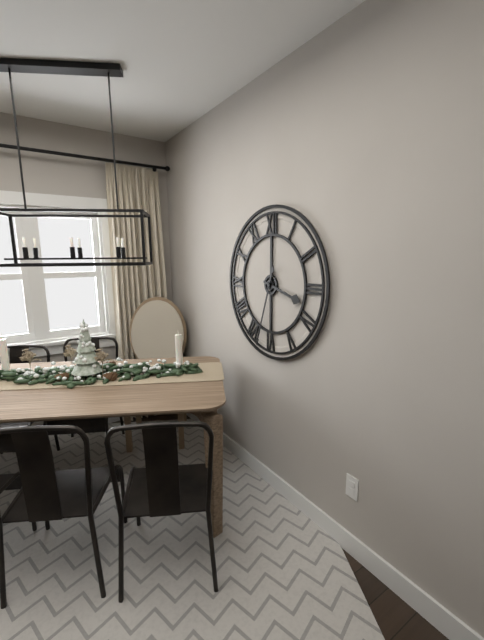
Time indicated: 3:33
